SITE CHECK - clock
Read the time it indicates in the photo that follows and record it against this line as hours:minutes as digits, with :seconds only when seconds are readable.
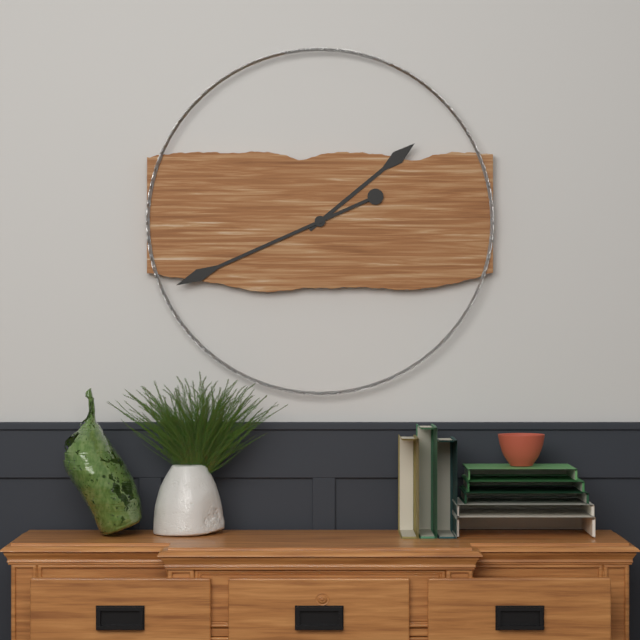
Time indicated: 1:41
